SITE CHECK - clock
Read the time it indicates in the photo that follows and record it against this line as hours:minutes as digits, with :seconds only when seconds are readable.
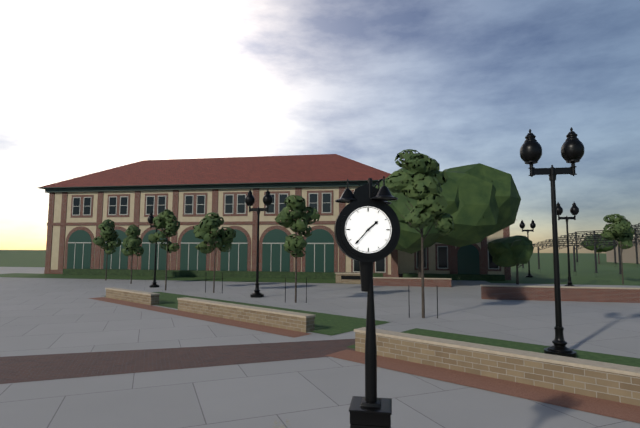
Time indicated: 1:37
